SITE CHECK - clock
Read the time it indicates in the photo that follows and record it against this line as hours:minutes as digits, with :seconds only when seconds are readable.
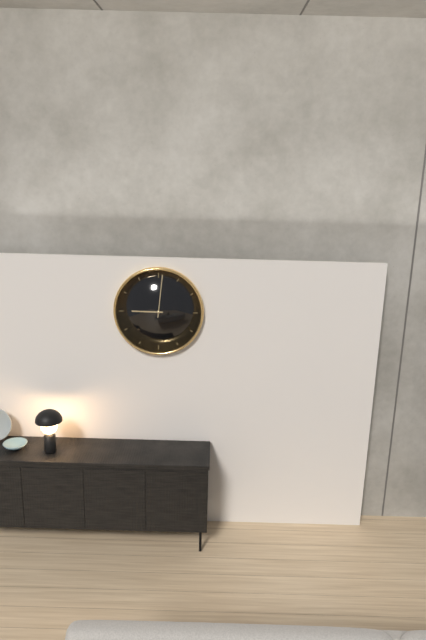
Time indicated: 9:01
